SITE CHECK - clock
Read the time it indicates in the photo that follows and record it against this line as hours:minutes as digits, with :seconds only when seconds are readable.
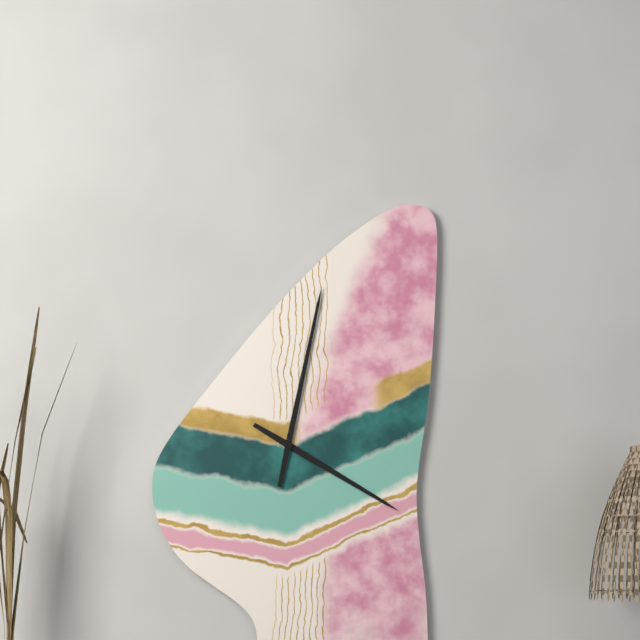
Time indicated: 4:02
